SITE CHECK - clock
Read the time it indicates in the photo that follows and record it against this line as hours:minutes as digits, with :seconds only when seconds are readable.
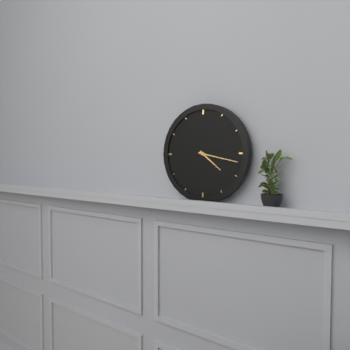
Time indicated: 4:17
